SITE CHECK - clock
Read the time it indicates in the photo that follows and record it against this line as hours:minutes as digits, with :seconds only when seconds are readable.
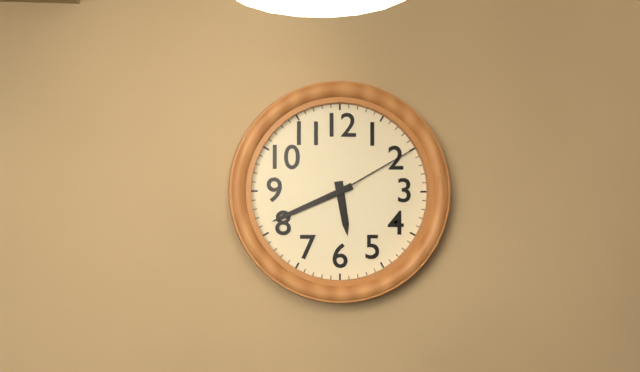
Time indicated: 5:41:10
